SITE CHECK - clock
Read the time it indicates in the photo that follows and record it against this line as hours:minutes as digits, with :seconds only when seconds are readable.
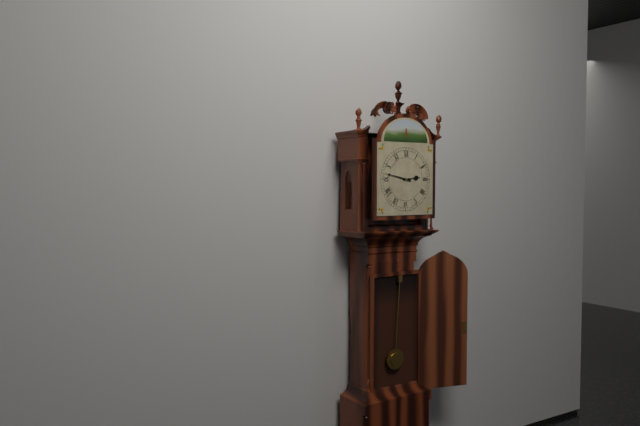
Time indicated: 2:47
